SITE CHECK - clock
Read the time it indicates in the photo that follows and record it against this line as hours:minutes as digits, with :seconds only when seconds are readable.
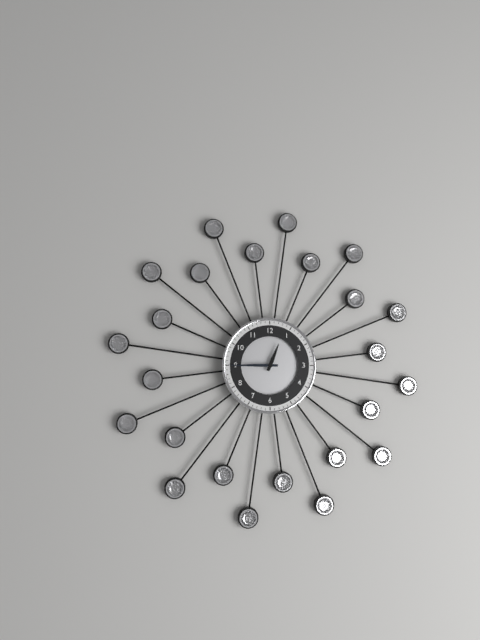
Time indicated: 12:45
